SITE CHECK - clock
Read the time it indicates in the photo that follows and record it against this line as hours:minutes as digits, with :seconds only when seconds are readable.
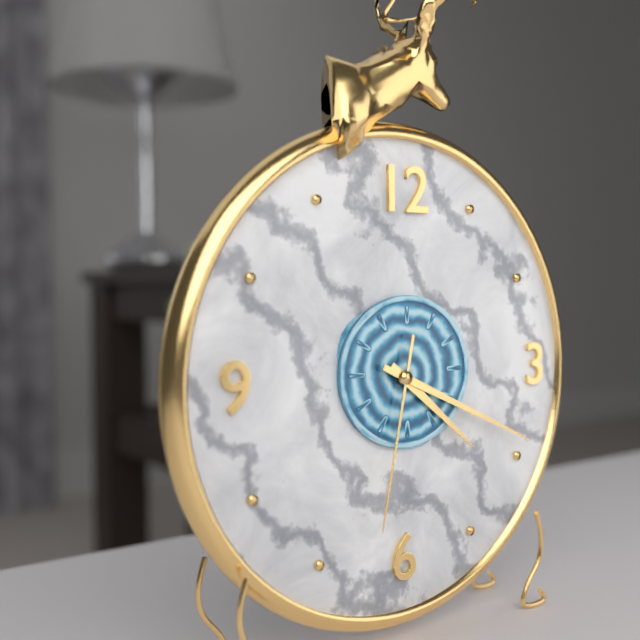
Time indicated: 4:19:32
